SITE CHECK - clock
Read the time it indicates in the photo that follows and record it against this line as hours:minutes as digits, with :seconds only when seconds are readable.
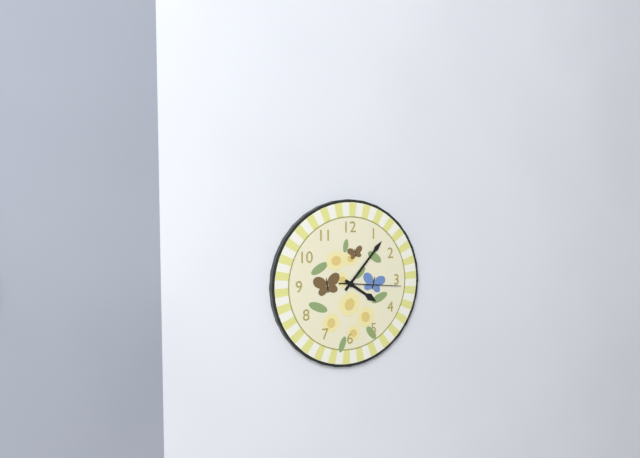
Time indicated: 4:07:16
